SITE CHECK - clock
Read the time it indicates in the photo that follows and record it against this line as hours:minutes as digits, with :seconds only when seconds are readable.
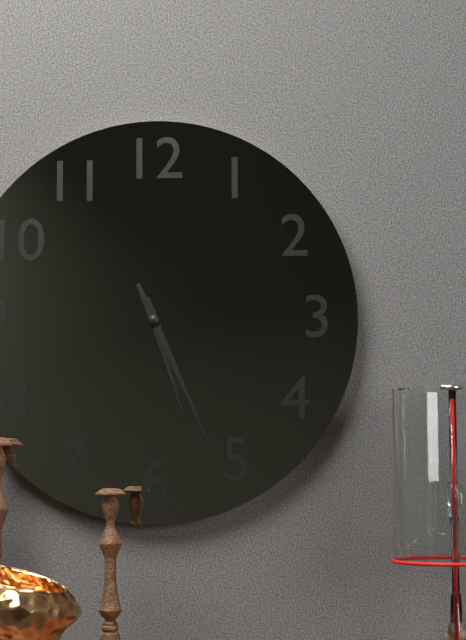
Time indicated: 5:26
